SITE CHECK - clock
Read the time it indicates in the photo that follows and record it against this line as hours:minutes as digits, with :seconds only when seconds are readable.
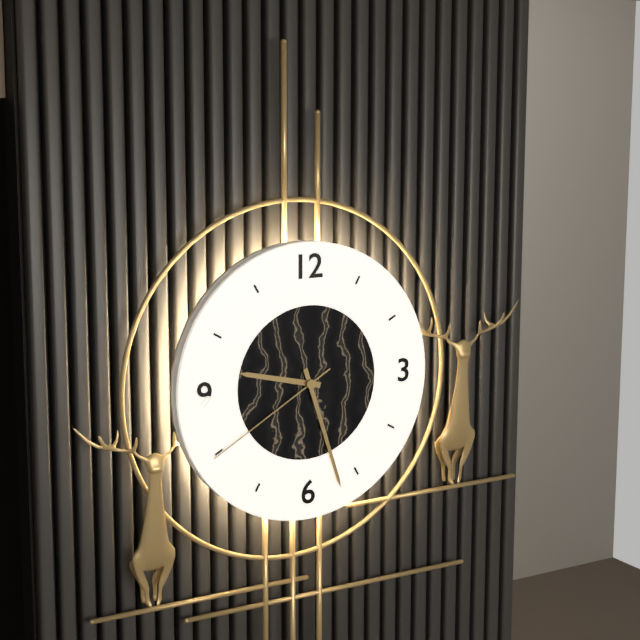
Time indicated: 9:27:40
